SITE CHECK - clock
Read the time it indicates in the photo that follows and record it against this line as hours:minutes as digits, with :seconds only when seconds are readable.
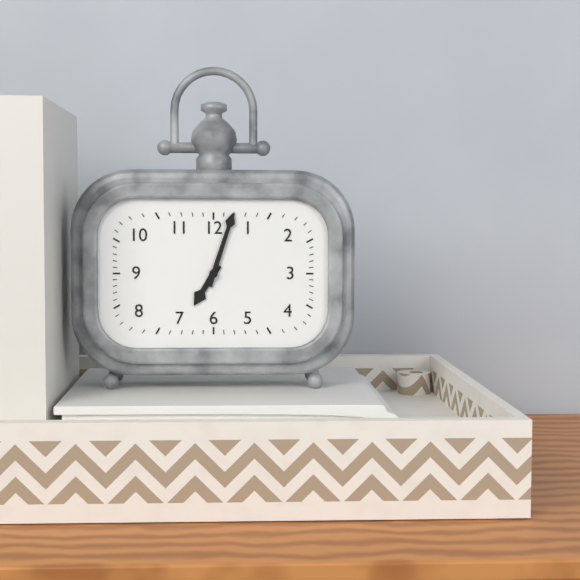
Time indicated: 7:03
